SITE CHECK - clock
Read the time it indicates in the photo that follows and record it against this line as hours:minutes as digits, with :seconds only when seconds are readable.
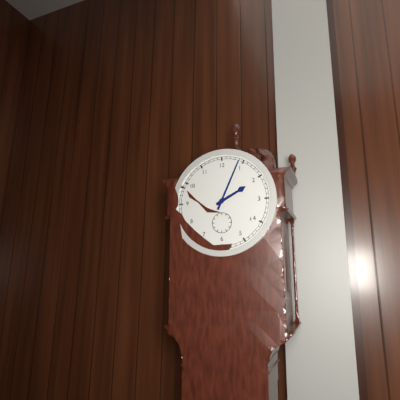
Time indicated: 2:04
